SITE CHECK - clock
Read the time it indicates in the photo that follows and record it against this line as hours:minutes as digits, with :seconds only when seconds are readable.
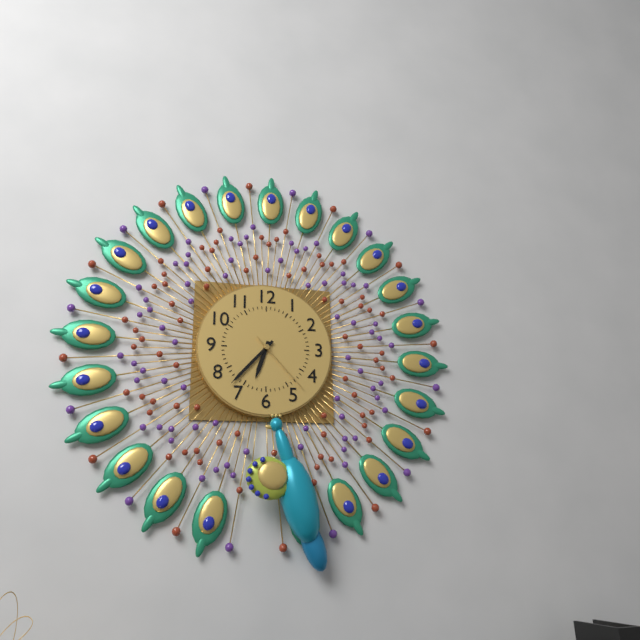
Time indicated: 6:37:23
